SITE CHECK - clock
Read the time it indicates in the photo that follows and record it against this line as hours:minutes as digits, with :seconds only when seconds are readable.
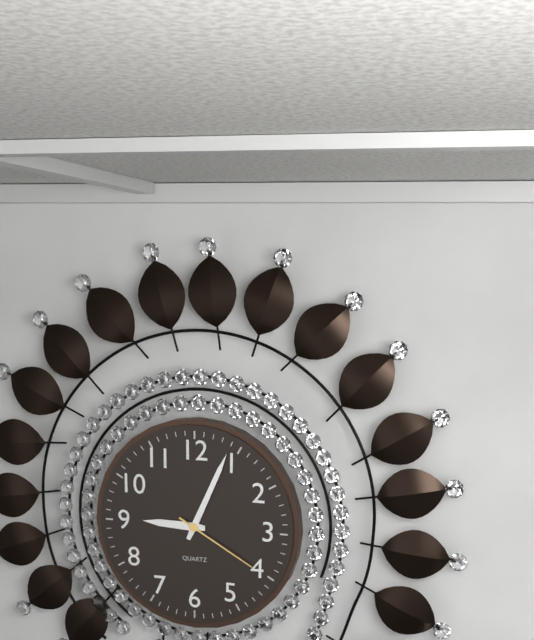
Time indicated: 9:04:20
